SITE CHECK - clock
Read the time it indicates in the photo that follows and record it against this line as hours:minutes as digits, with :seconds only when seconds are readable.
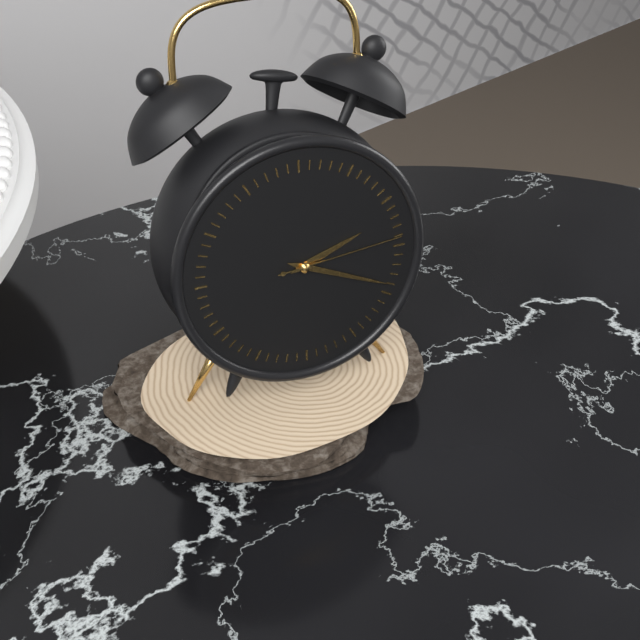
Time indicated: 2:19:14
